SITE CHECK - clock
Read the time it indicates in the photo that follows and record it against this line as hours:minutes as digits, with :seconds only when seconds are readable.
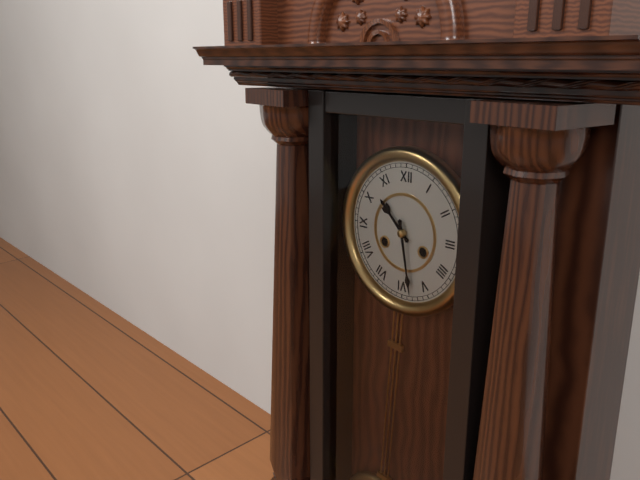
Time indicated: 10:28
